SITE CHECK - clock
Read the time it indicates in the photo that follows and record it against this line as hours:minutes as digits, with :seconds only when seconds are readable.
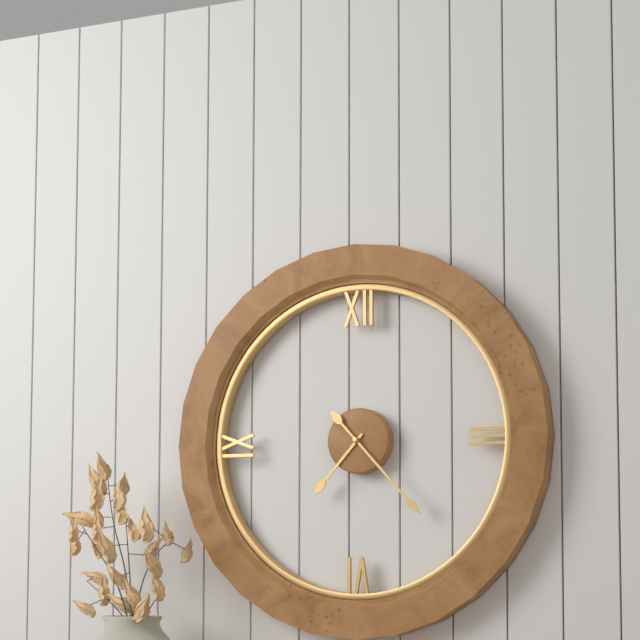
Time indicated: 7:23
